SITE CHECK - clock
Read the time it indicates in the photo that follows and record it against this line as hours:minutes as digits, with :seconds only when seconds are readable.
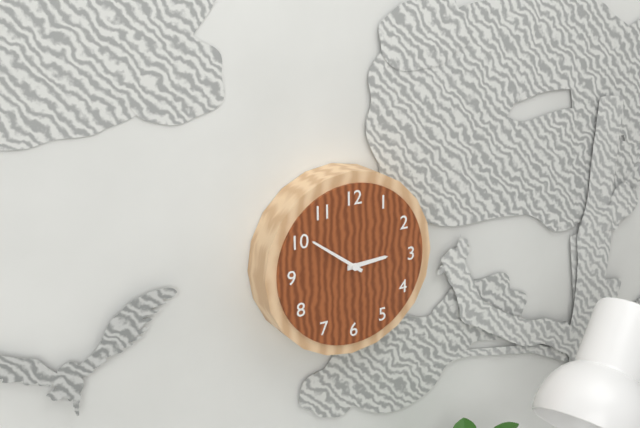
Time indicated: 2:51
